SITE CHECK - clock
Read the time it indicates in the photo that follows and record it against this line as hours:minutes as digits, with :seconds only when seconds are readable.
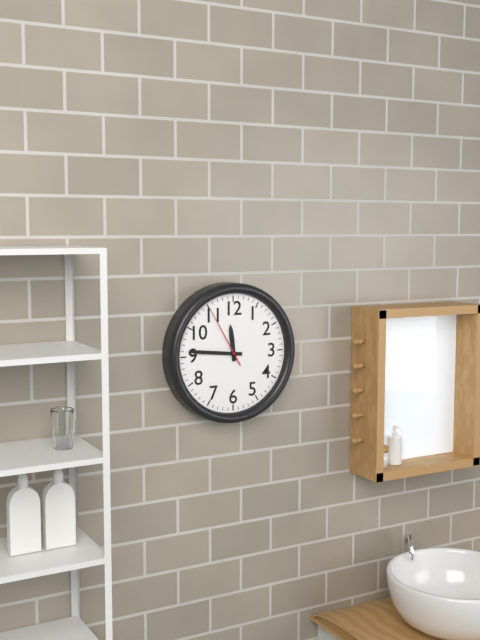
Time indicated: 11:46:55
